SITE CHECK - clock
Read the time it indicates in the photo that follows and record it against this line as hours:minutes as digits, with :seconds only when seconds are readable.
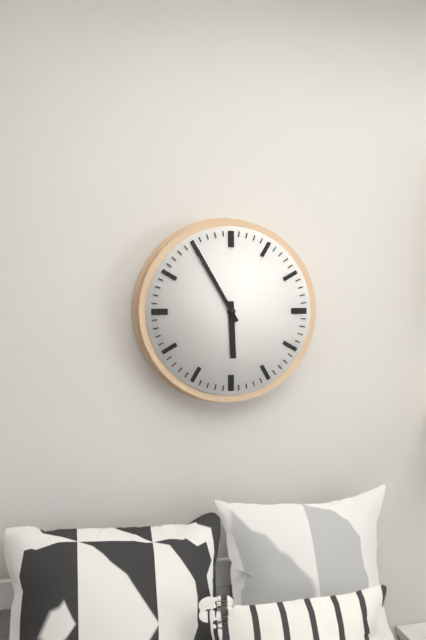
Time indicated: 5:55
